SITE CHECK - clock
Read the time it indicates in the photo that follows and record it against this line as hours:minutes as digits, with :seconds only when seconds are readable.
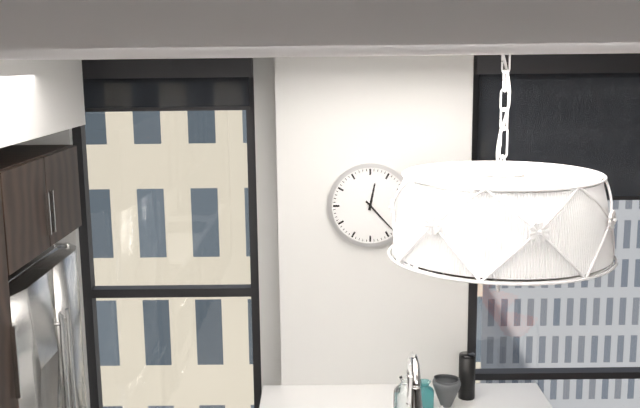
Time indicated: 12:23
